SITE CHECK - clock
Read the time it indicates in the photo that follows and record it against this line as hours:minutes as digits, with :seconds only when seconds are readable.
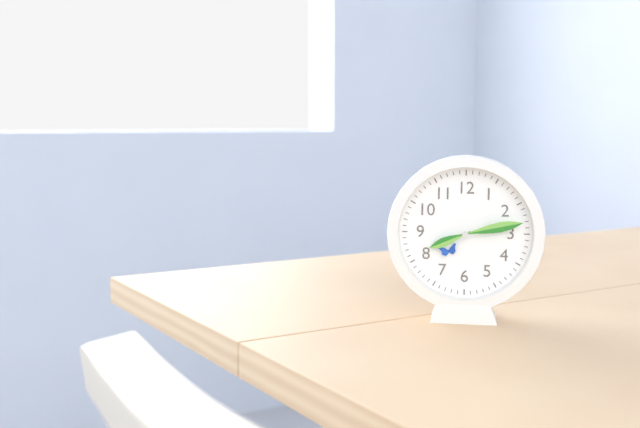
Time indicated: 8:13
